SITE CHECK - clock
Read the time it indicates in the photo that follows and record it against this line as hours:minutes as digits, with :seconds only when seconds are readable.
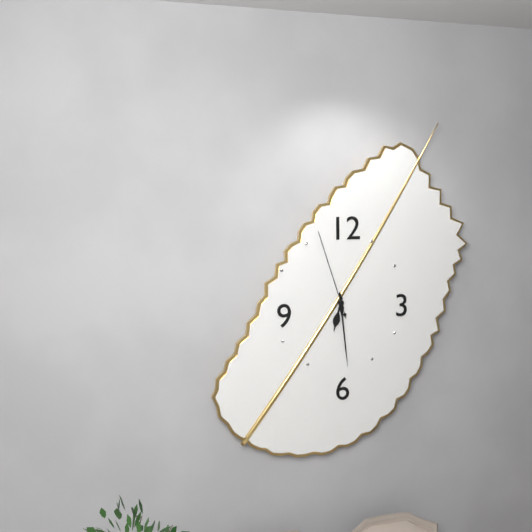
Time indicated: 6:29:57
